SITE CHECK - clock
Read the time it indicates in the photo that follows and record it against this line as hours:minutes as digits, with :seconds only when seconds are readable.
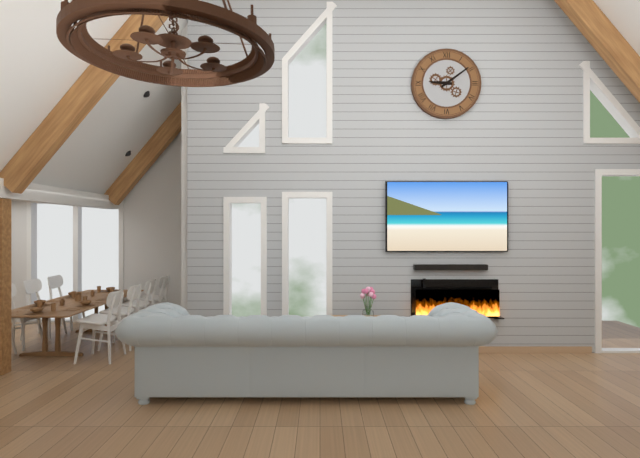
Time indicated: 9:09
